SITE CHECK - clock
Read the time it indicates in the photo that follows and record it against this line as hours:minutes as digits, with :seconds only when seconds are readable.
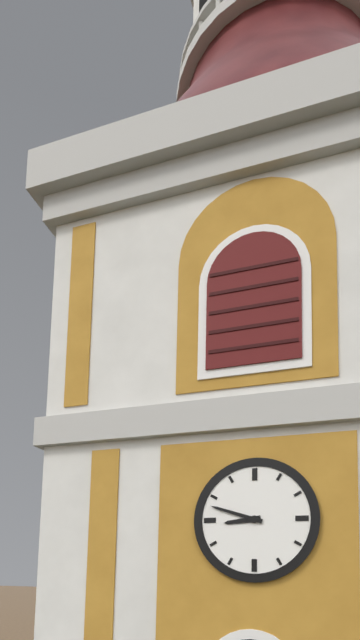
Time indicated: 8:48
